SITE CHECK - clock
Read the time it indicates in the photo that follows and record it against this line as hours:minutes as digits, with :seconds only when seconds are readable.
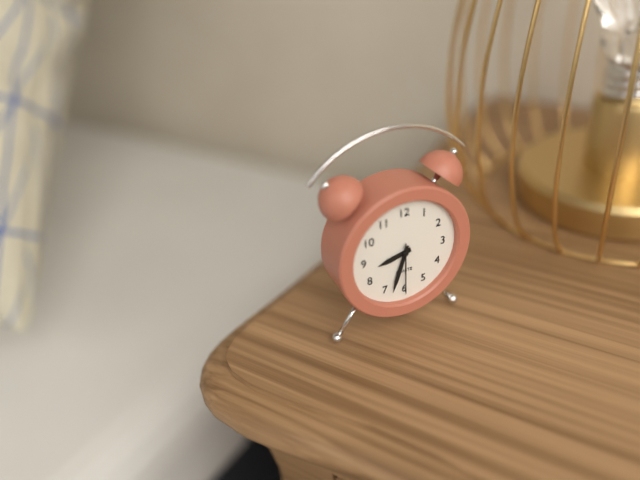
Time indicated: 8:33:30
